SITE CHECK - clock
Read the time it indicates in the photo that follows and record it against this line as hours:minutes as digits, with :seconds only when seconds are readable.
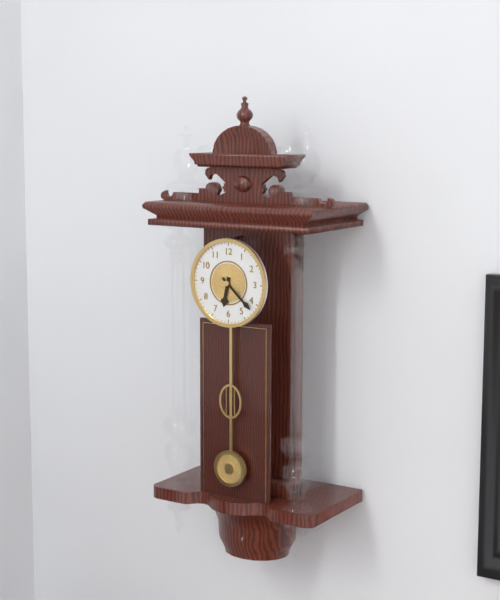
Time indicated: 6:22
